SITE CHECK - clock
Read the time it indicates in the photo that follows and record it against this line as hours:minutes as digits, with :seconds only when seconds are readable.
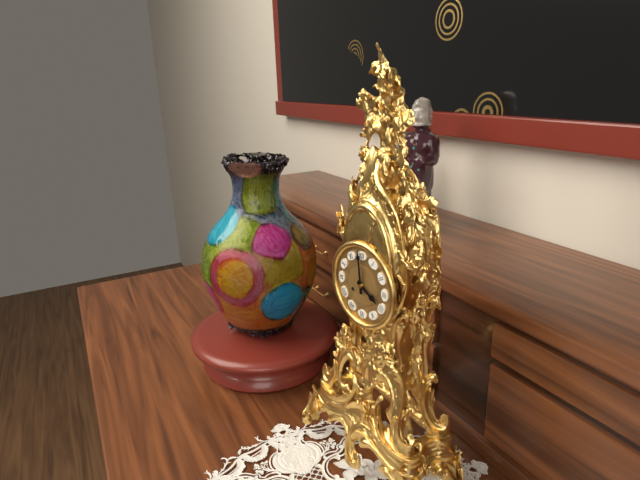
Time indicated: 3:59
